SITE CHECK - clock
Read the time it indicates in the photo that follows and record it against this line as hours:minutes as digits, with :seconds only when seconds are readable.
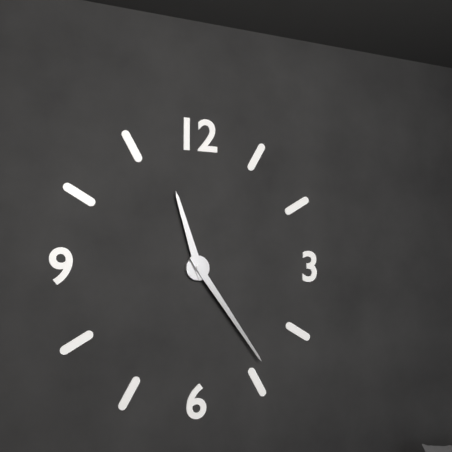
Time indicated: 11:24
